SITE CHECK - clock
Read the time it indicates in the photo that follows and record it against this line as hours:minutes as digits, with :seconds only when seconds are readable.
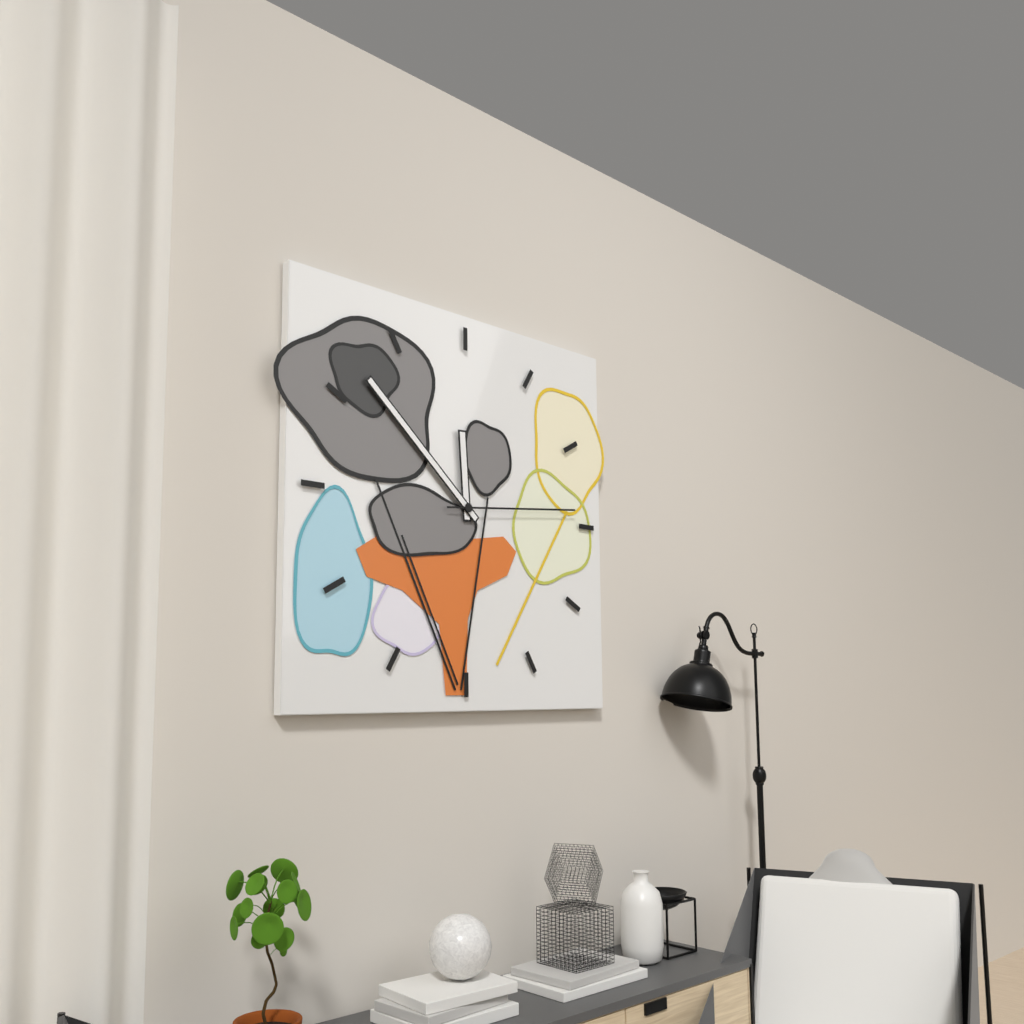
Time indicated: 11:52:14
